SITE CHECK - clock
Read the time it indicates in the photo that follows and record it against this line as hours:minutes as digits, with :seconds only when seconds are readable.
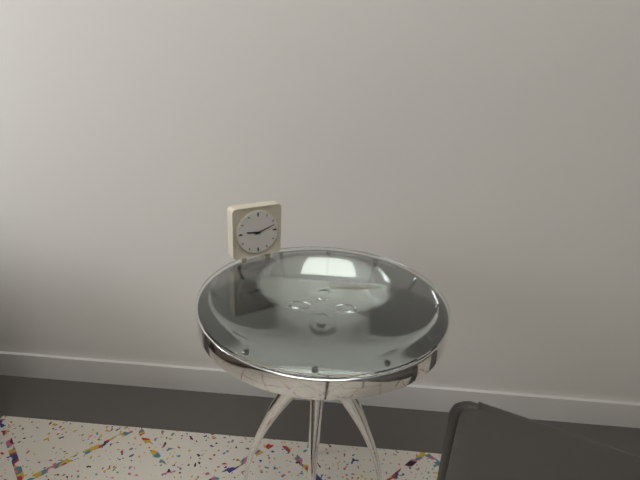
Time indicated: 9:12
